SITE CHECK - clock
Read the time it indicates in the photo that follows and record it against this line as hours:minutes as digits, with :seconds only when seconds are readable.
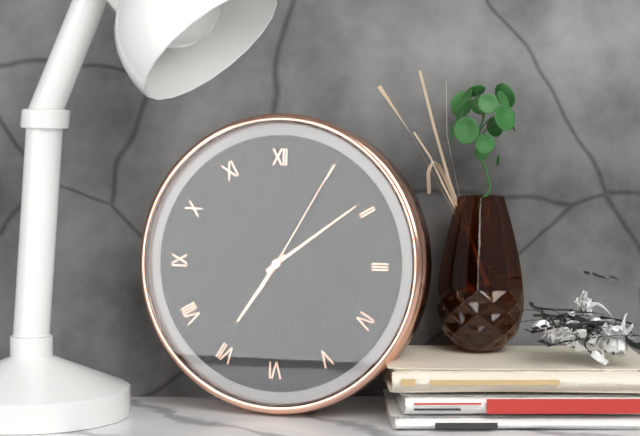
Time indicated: 7:09:05
